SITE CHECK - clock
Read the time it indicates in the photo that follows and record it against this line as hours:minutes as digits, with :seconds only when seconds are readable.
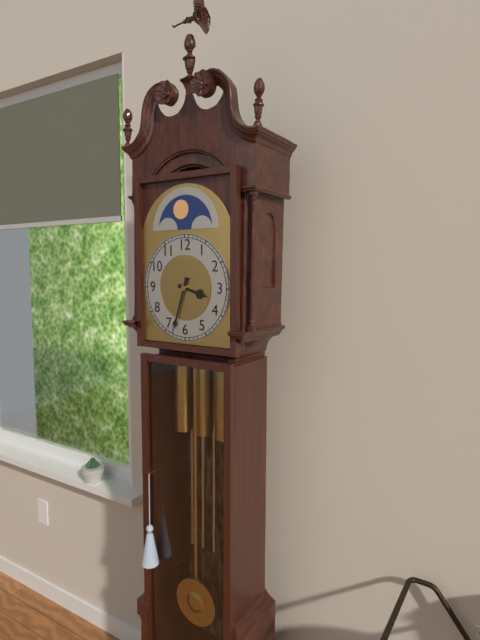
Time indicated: 3:33
